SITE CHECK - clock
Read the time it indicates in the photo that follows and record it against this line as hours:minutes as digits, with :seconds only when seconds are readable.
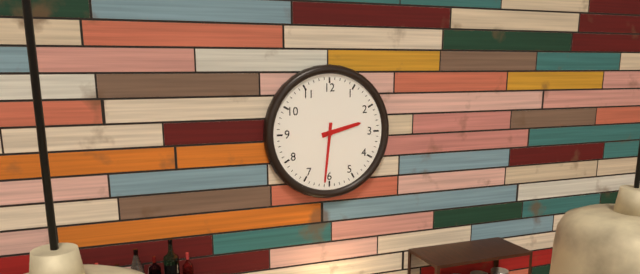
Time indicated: 2:31
